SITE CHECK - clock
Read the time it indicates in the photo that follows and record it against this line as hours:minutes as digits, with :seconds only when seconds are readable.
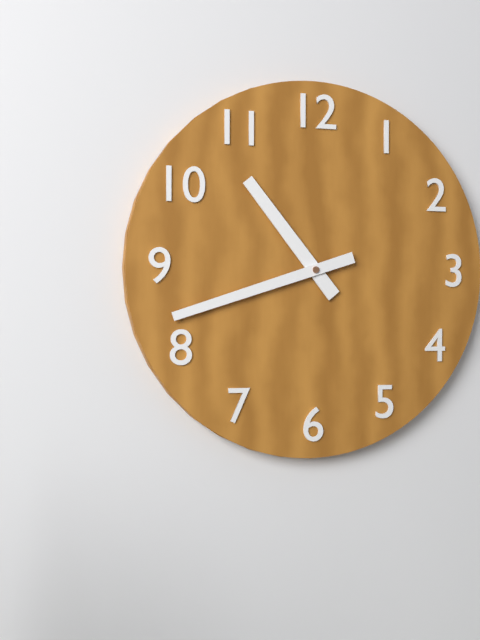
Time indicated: 10:42
